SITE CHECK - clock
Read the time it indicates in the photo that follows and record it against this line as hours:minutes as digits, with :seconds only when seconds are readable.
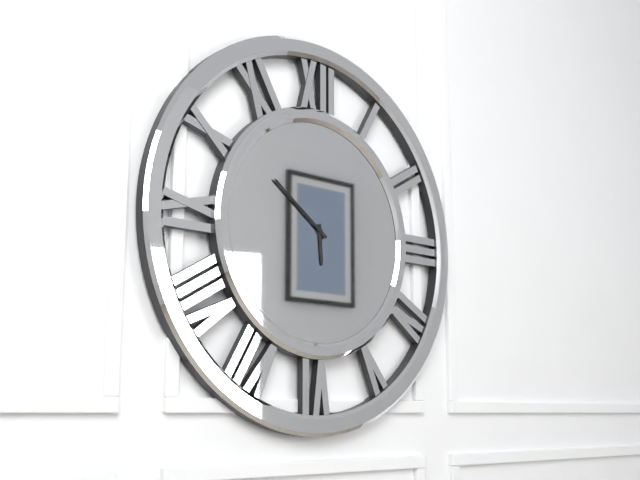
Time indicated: 5:51
